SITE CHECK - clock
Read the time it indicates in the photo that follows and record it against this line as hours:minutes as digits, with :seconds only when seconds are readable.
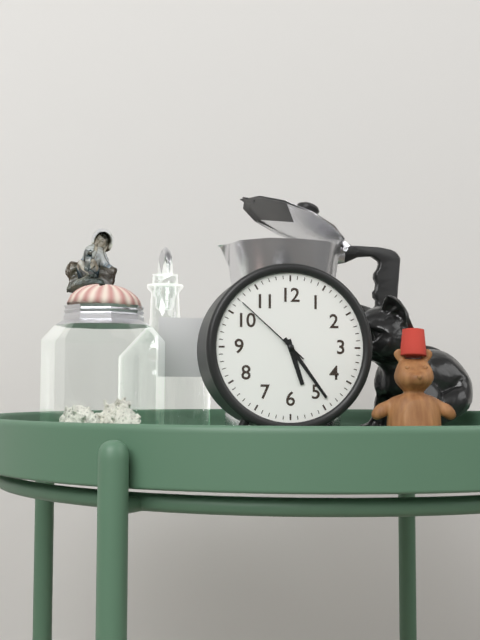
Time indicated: 5:24:52
